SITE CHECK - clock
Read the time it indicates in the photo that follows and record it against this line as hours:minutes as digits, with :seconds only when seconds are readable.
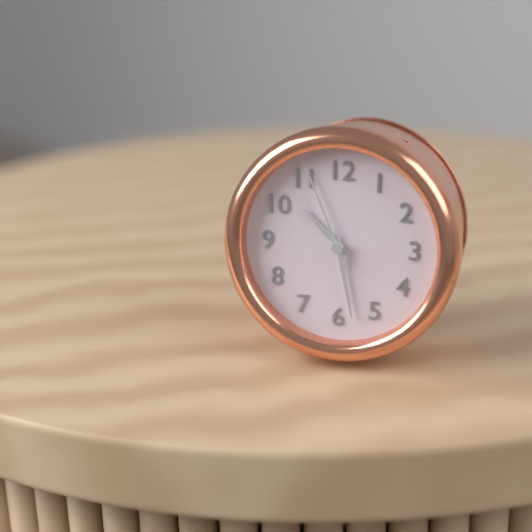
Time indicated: 10:28:56
